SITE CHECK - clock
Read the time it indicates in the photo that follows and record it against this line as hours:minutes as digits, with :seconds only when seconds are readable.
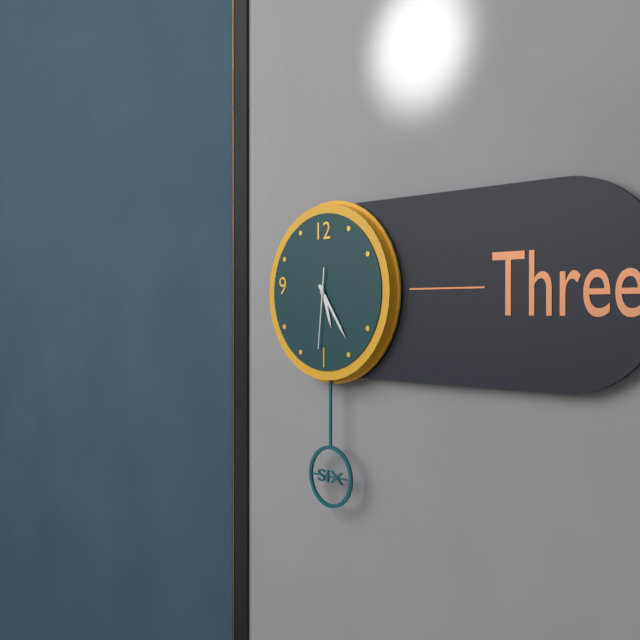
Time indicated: 5:24:31
